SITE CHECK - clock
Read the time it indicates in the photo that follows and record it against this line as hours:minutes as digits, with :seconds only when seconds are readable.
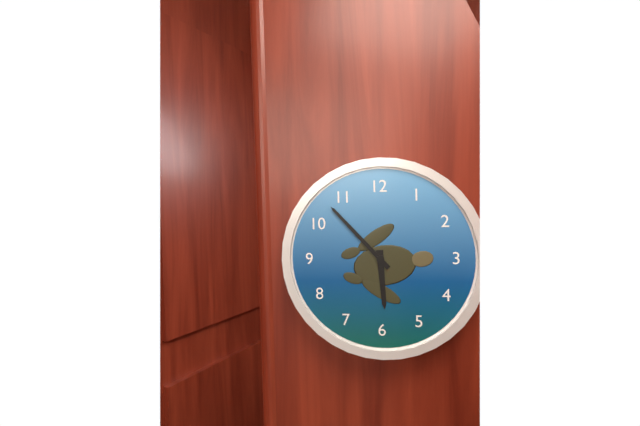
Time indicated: 5:53
